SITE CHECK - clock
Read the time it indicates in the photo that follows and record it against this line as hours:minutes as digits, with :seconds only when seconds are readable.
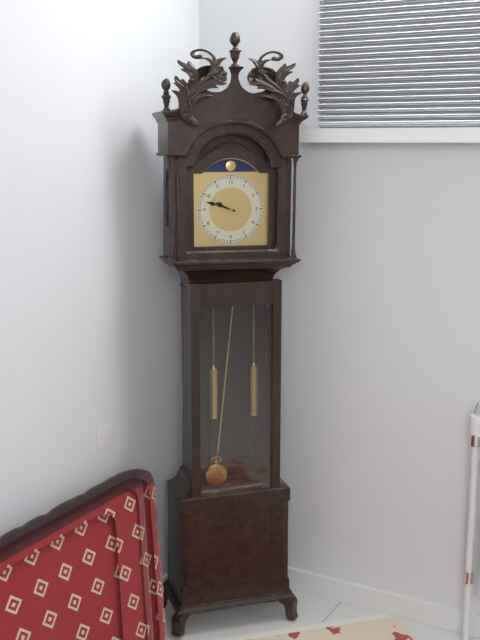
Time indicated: 9:48
